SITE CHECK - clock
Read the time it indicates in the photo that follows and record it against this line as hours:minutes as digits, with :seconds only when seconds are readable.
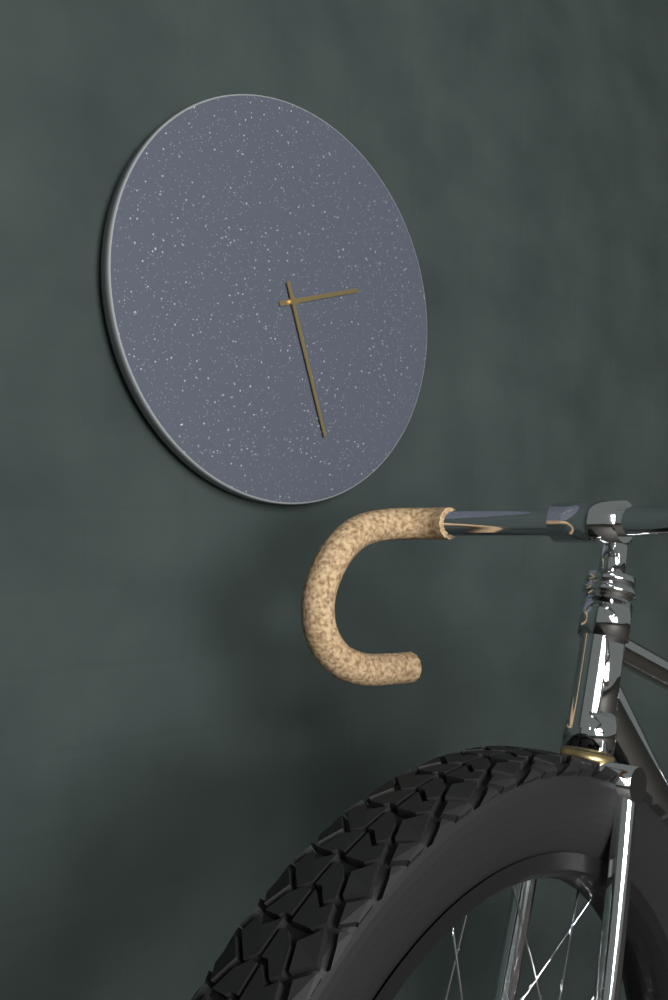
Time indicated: 2:27
